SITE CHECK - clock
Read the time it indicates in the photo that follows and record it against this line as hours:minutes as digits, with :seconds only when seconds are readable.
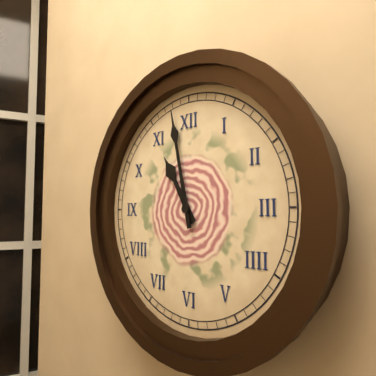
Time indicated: 10:58
